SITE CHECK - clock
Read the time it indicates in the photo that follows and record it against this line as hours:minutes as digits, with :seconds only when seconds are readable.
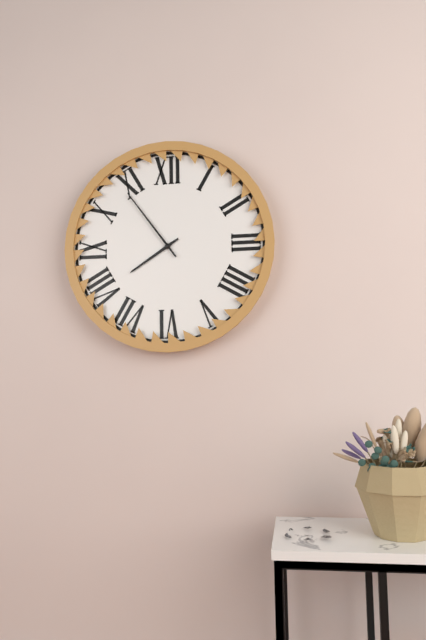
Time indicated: 7:54
